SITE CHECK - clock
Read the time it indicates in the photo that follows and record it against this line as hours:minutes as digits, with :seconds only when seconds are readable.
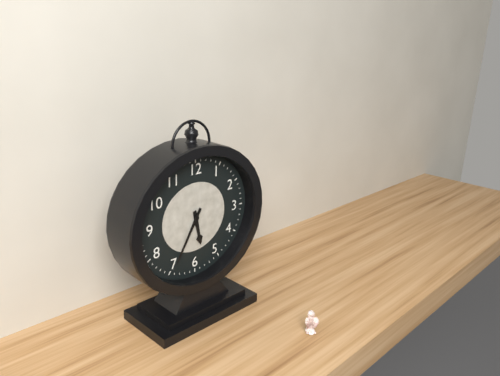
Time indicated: 5:35
